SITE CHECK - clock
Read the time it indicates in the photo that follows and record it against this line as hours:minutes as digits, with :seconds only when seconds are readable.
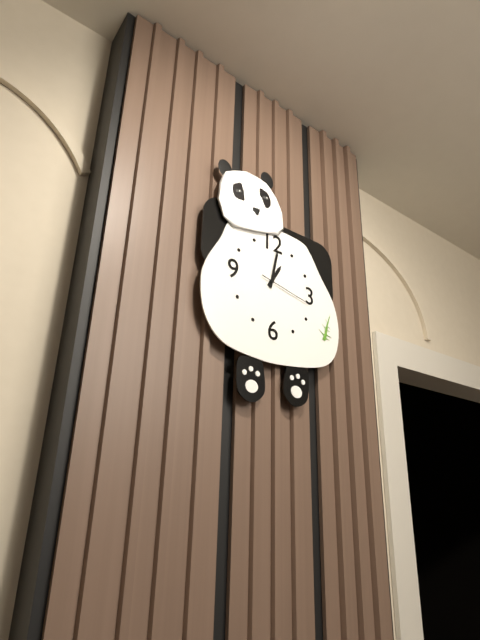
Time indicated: 1:02:17
